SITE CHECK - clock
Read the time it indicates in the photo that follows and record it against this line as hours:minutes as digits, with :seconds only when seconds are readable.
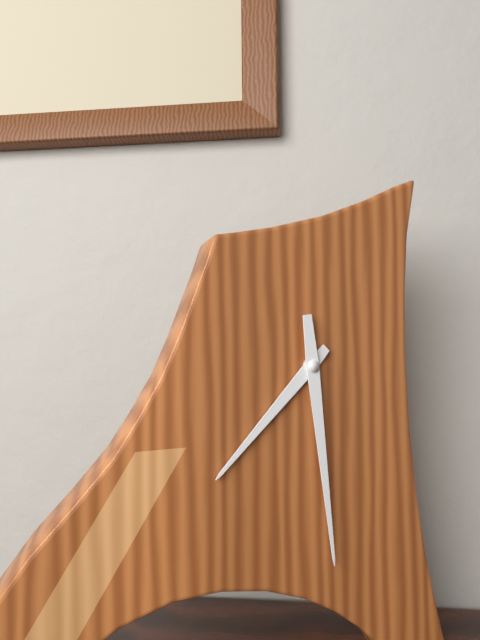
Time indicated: 7:29
